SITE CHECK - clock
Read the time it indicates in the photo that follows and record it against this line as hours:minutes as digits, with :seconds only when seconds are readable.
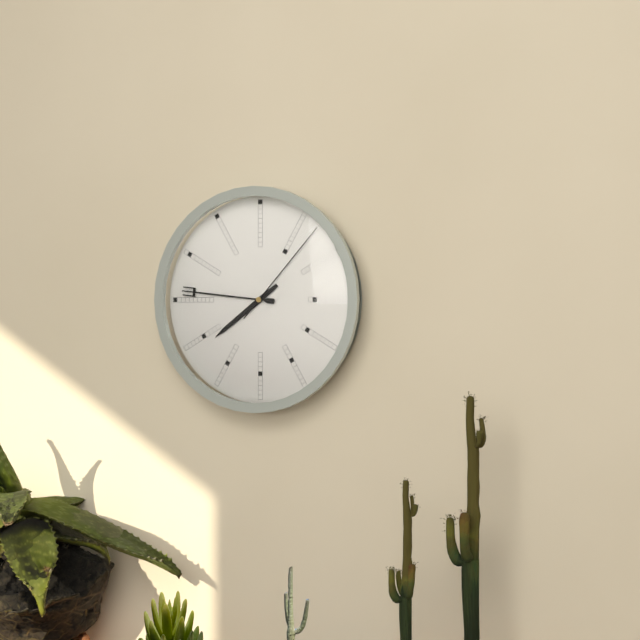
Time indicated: 7:46:07
